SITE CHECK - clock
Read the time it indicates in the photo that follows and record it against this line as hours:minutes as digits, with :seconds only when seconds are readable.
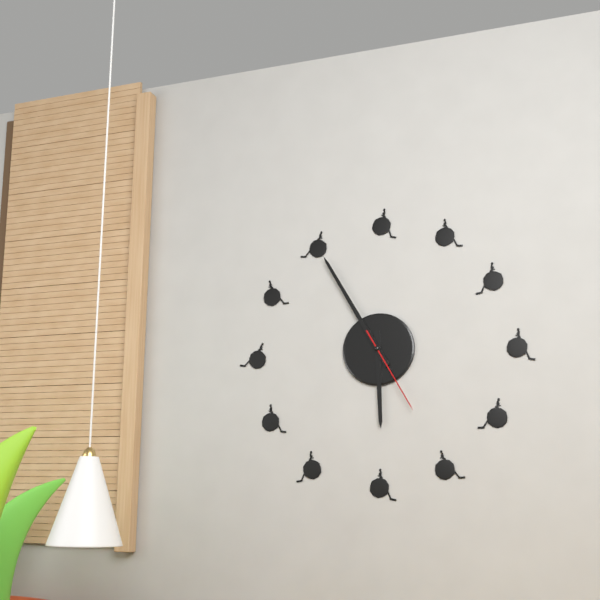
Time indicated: 5:55:25
